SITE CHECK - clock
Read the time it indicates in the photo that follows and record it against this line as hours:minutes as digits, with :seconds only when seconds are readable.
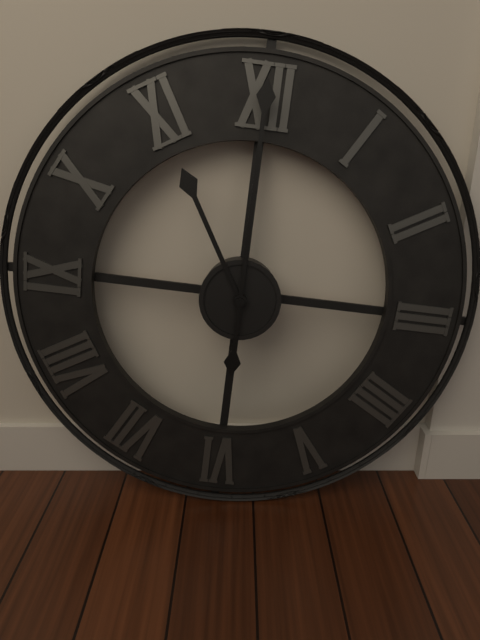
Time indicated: 11:00
